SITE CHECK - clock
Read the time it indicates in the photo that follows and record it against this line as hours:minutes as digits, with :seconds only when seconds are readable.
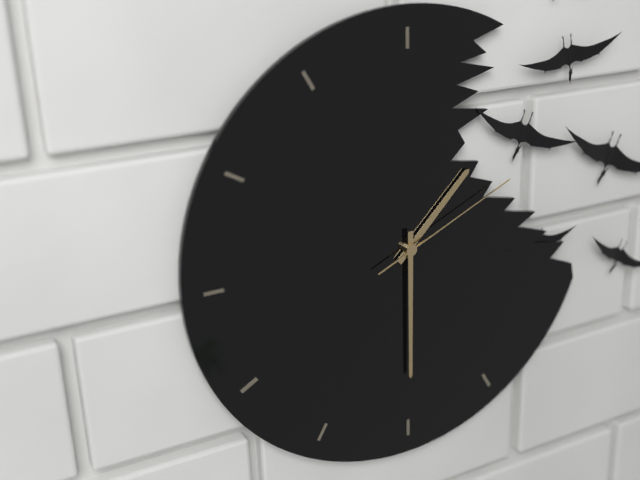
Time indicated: 1:30:11
